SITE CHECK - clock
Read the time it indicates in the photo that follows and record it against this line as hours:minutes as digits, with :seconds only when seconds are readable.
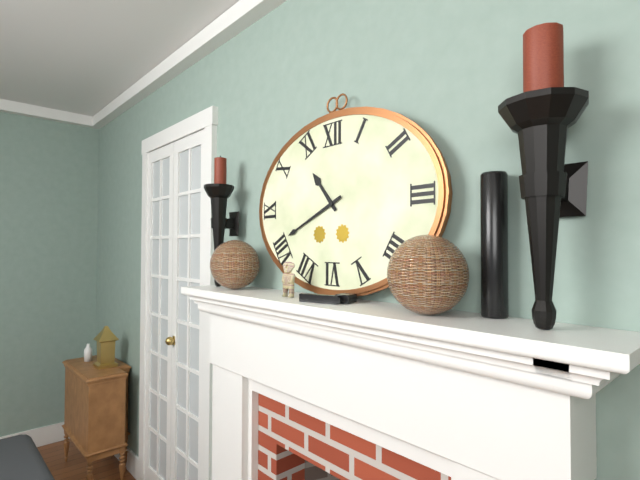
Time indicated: 10:41
